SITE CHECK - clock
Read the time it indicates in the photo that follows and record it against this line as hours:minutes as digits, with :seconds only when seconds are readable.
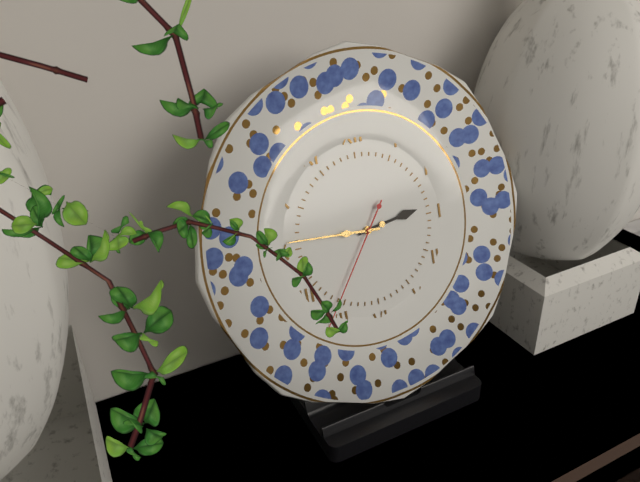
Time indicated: 2:46:36
